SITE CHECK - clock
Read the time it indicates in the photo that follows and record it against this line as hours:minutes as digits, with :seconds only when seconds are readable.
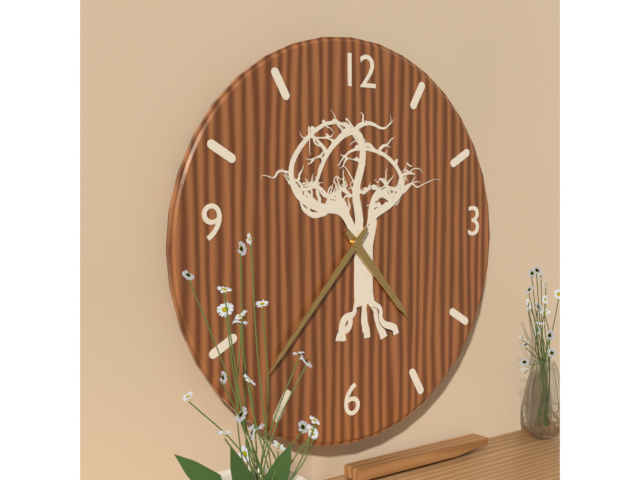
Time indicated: 4:37
